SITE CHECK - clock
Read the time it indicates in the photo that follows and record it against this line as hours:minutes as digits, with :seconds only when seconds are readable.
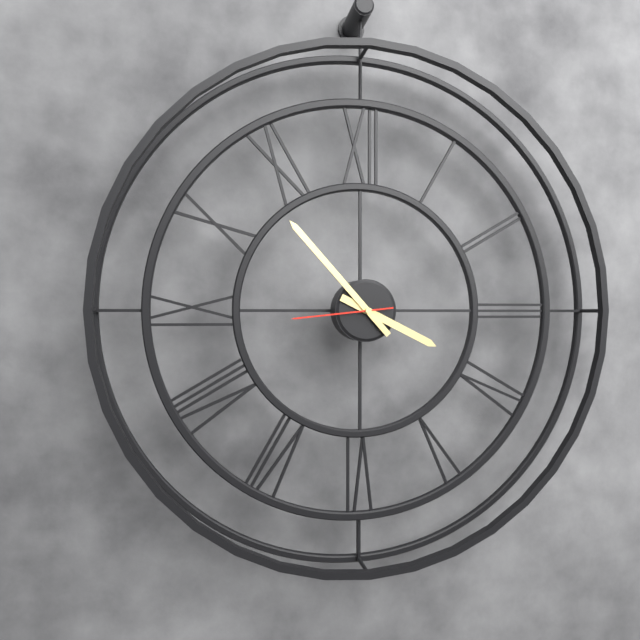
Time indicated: 3:53:44
